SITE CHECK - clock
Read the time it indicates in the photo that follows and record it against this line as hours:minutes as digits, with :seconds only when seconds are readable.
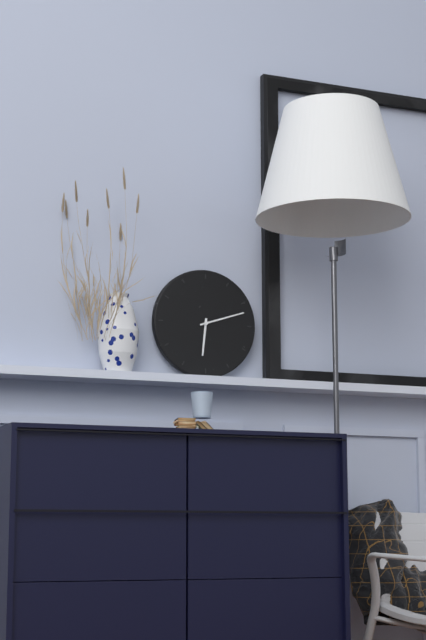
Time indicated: 6:12
